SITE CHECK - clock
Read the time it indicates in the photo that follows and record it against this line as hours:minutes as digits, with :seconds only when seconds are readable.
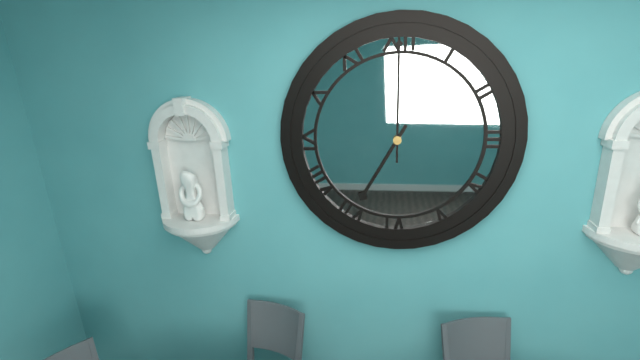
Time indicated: 7:00
